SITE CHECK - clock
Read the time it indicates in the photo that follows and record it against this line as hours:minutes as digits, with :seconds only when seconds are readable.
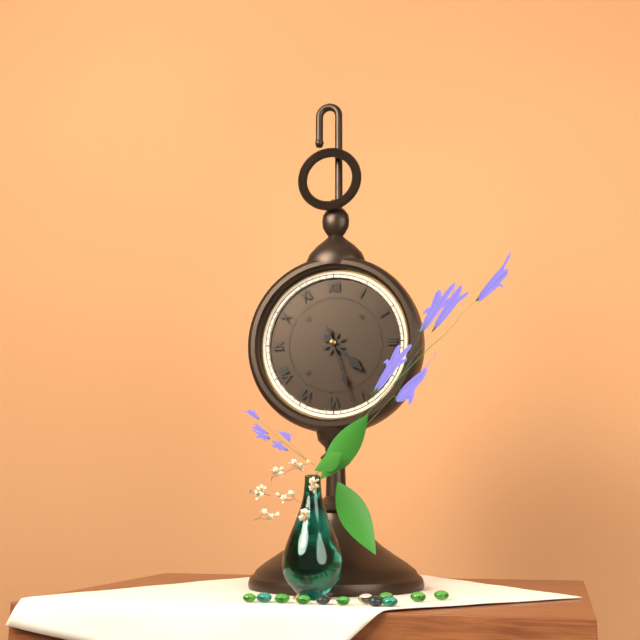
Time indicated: 4:27
